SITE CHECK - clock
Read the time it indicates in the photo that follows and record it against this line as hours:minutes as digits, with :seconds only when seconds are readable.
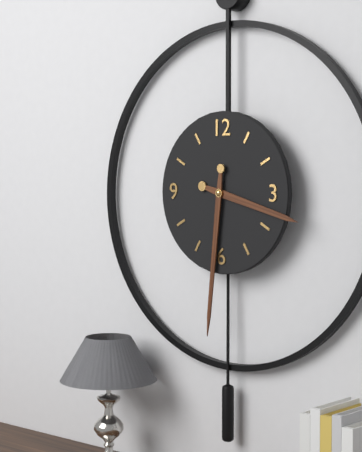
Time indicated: 3:31
